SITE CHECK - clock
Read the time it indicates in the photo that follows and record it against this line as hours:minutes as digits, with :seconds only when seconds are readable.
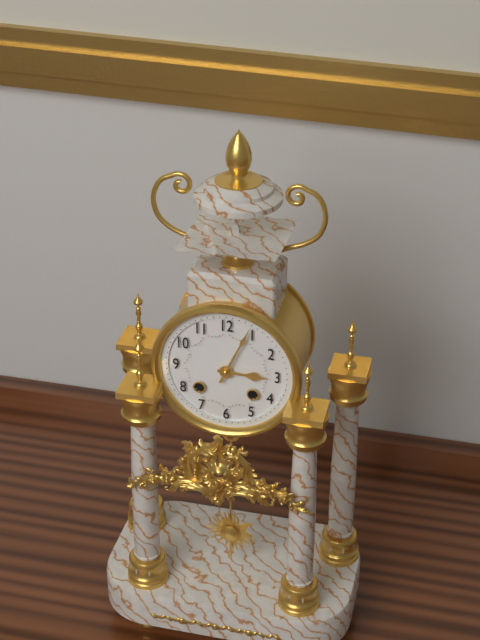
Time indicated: 3:04
